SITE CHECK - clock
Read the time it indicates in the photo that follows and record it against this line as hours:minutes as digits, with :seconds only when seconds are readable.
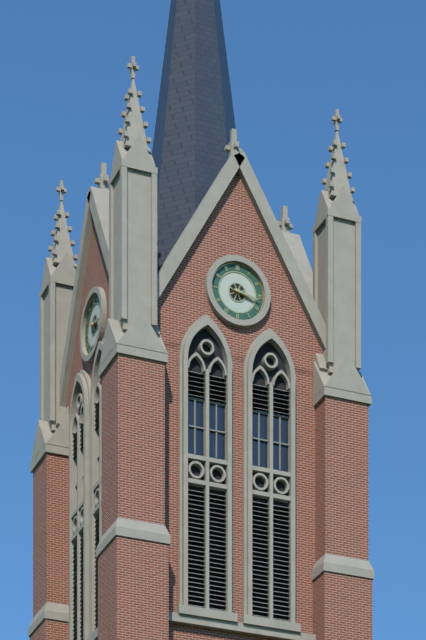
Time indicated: 3:17
